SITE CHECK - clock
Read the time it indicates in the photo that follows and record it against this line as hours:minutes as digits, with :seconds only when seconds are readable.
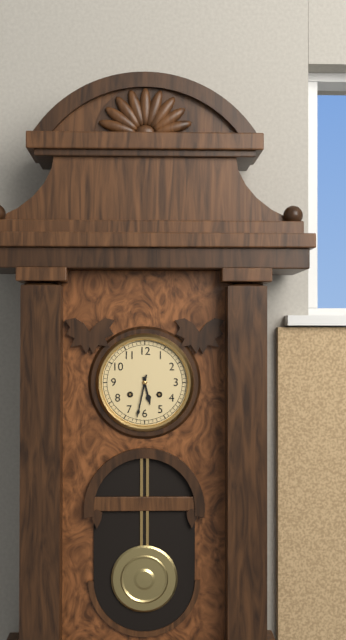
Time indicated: 5:32
